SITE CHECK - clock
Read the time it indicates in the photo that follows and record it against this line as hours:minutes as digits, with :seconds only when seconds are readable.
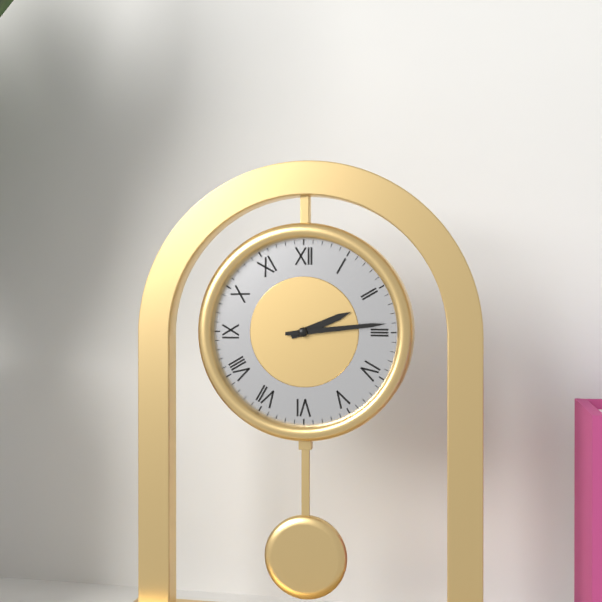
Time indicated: 2:14
